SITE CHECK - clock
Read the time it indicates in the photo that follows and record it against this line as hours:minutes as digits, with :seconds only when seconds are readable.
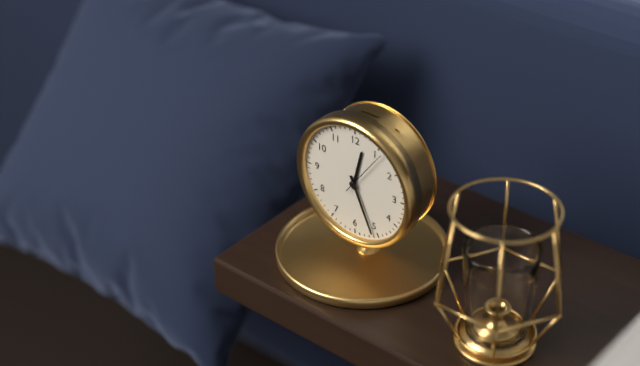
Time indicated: 12:26:06
